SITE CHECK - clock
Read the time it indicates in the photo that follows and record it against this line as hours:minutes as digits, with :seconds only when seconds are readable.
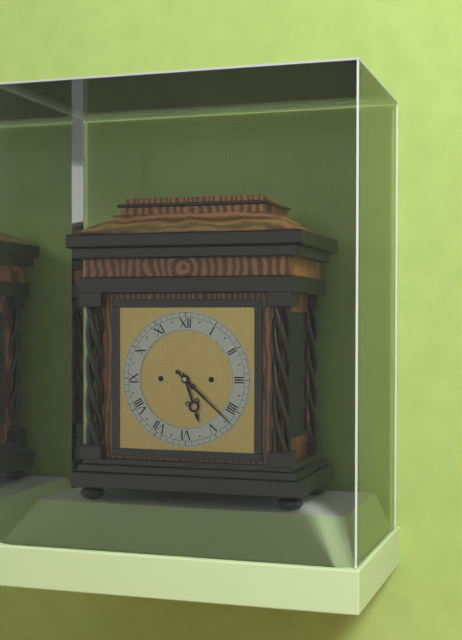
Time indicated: 5:22
